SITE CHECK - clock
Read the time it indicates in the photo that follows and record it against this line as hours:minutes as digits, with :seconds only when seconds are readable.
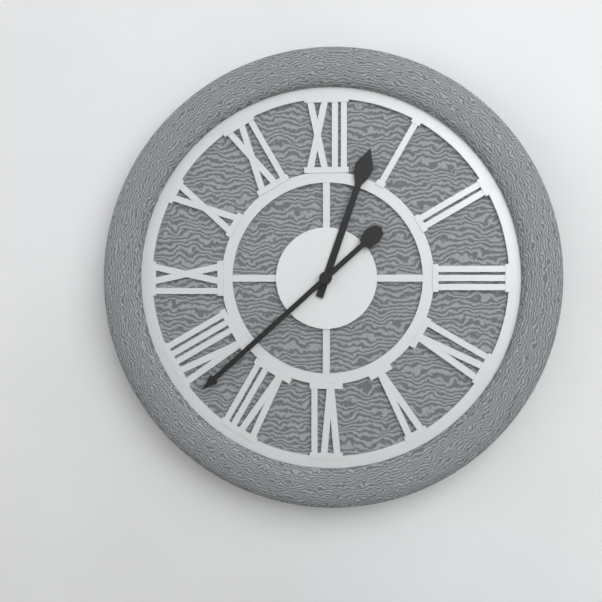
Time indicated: 12:38
